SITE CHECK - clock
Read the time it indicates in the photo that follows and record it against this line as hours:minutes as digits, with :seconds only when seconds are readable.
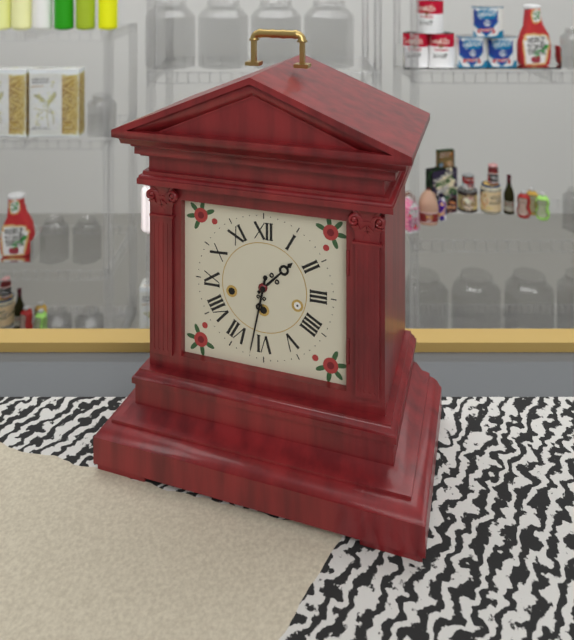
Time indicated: 1:32
